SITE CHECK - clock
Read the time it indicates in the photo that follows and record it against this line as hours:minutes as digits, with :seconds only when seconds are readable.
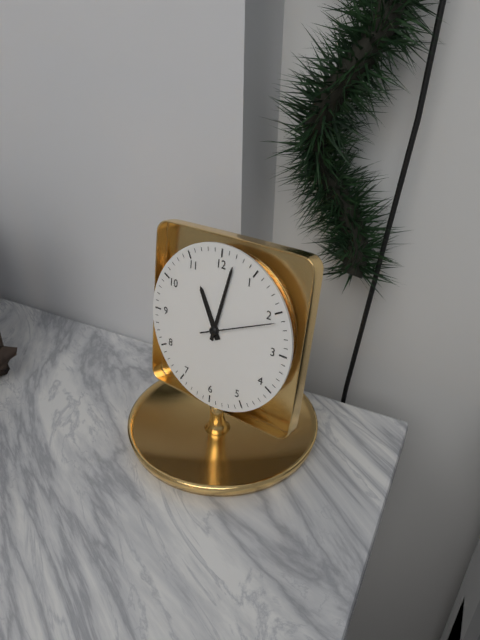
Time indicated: 11:02:11
